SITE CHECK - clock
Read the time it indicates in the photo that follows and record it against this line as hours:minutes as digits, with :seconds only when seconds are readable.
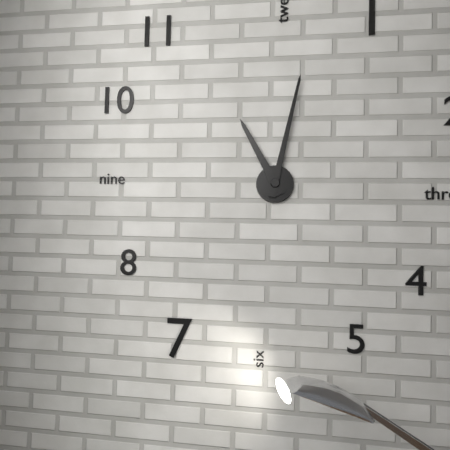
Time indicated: 11:02
